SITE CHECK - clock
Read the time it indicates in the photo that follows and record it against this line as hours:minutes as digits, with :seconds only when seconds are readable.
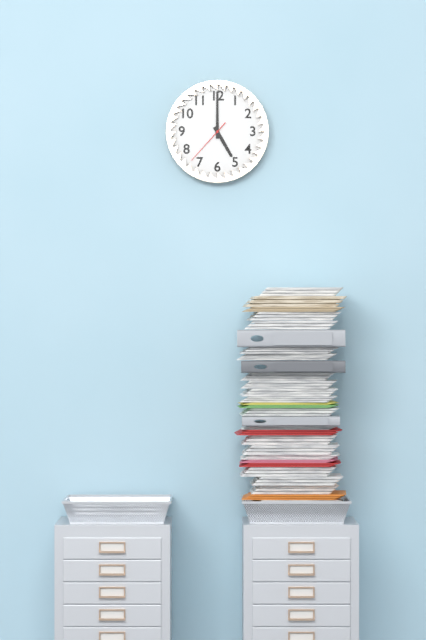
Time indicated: 5:00
